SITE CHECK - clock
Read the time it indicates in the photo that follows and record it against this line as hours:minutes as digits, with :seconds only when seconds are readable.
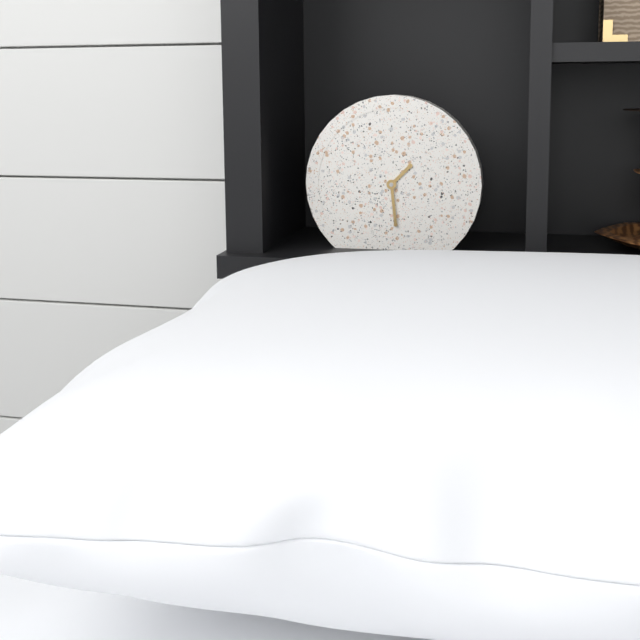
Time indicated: 1:29
